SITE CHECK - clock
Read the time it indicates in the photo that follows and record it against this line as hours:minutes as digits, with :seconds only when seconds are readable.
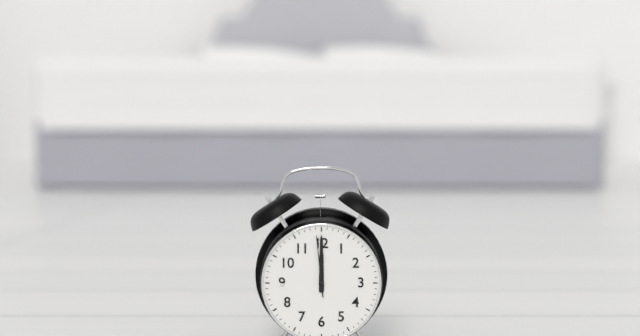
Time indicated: 12:00:59
